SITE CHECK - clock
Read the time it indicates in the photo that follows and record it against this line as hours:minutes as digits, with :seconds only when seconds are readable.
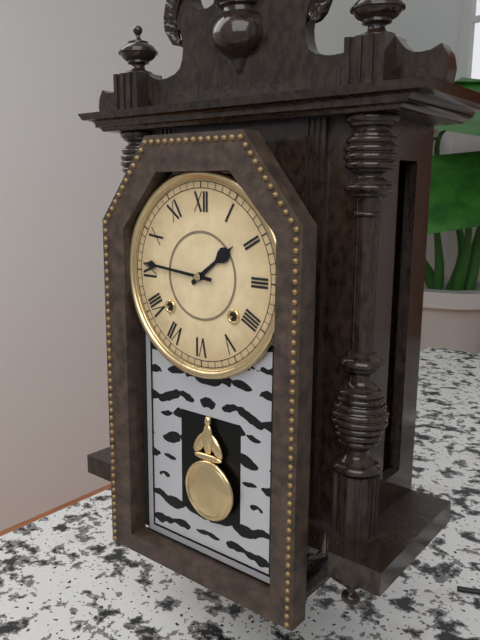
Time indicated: 1:46
